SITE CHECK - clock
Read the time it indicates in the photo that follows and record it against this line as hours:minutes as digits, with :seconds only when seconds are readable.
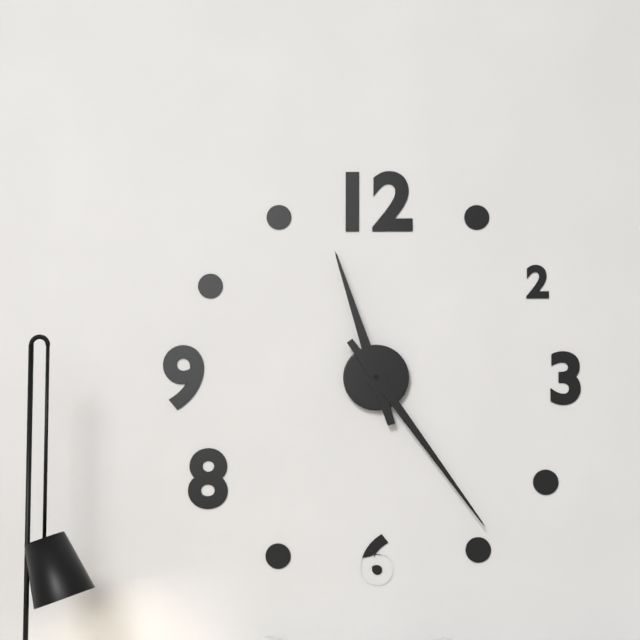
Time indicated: 11:24
